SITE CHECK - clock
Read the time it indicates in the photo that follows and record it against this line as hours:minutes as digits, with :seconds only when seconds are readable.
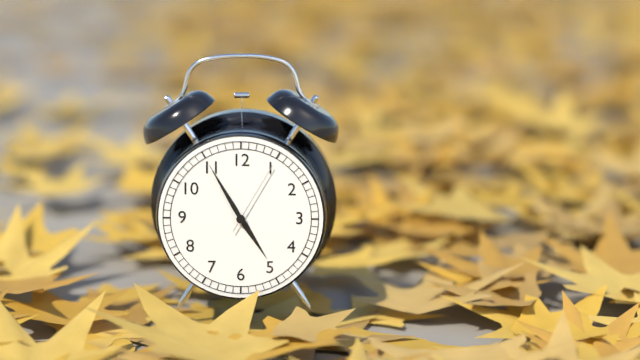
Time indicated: 4:55:05
